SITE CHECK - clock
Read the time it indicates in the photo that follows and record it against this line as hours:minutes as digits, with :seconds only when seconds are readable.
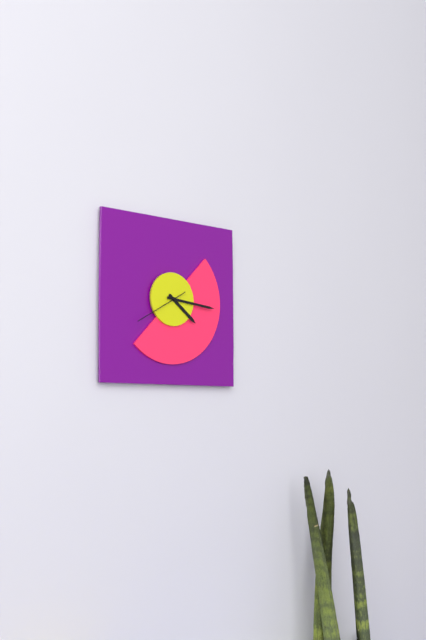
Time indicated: 4:16:40
